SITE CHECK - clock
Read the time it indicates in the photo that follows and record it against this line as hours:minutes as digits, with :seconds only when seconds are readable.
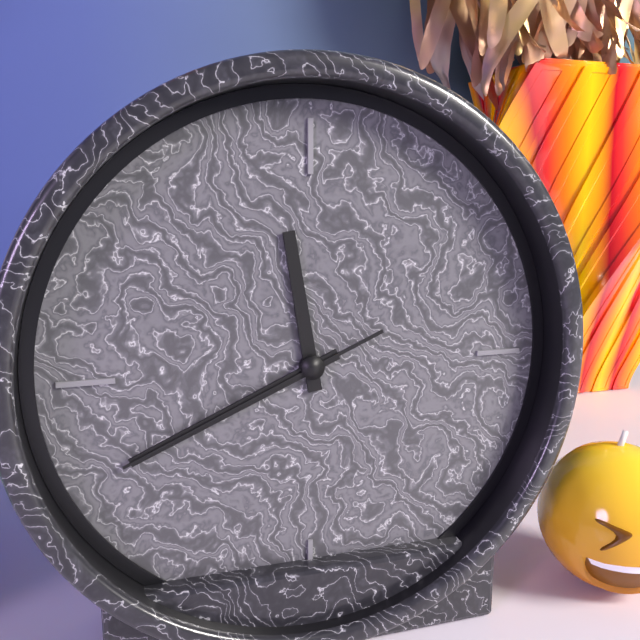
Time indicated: 11:41:41
